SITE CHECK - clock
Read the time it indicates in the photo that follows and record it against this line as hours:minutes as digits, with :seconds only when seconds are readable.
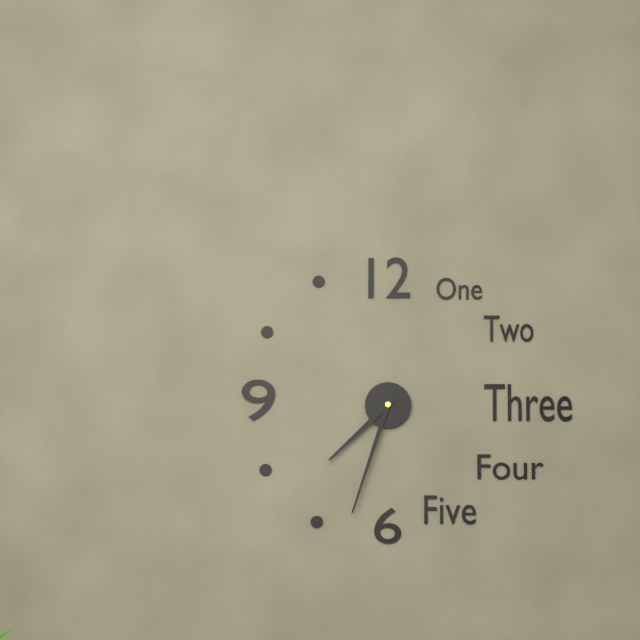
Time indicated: 7:33
